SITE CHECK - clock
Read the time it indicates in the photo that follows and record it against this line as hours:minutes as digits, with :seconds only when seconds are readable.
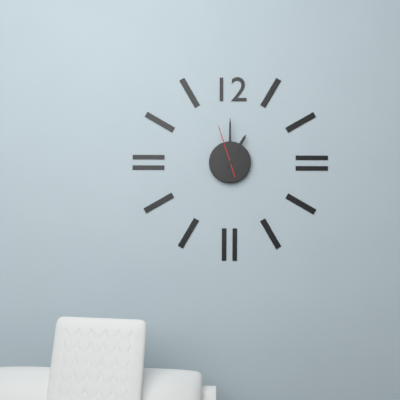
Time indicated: 1:00:57
